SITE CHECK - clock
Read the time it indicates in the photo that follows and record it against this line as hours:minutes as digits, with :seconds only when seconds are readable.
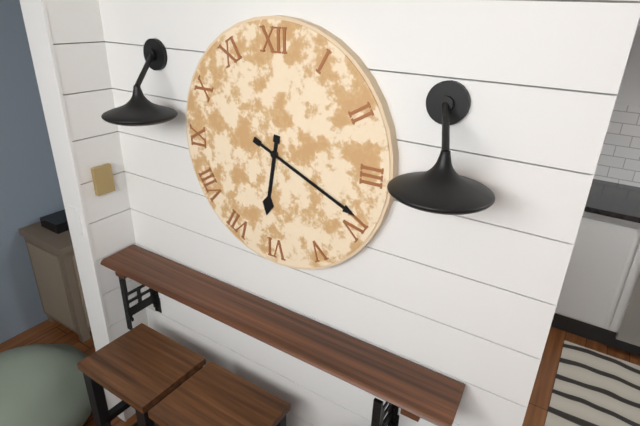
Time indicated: 6:19
